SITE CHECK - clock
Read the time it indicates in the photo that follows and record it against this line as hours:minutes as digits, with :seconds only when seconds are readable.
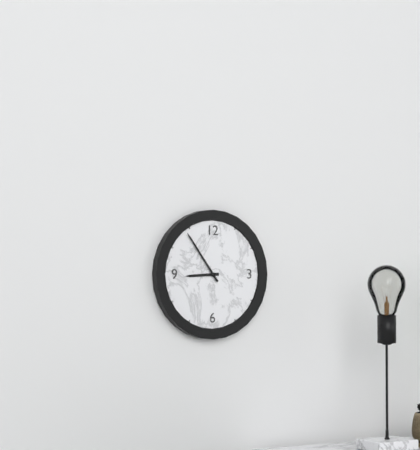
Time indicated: 8:54
